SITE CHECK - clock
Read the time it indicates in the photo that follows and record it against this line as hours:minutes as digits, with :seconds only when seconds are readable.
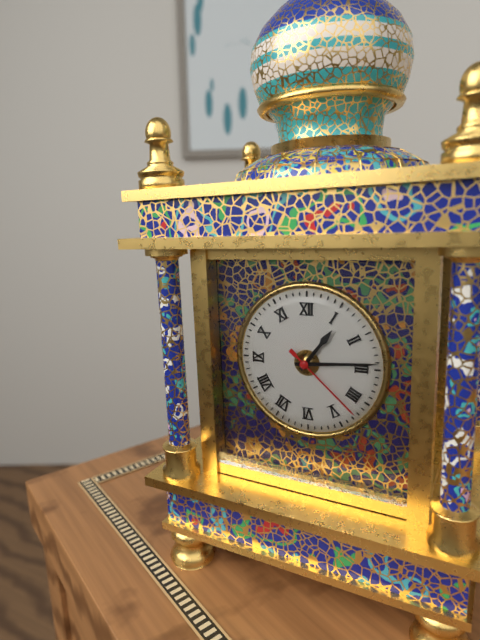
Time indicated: 1:14:22
